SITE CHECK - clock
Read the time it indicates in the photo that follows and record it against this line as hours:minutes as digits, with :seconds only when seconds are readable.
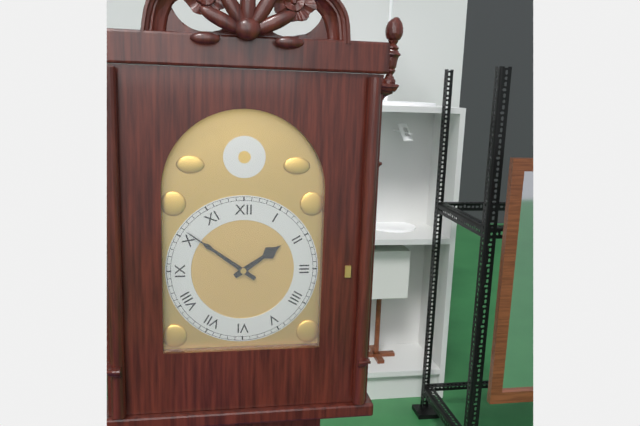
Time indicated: 1:51
